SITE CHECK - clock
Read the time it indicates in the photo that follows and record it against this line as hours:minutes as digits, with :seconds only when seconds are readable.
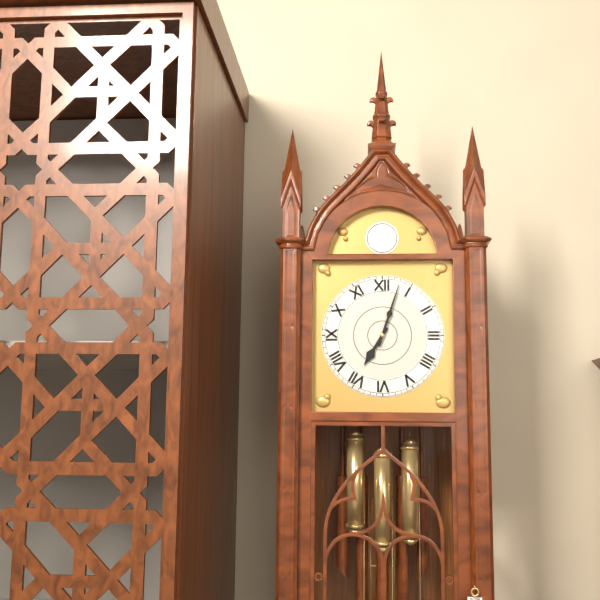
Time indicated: 7:03
